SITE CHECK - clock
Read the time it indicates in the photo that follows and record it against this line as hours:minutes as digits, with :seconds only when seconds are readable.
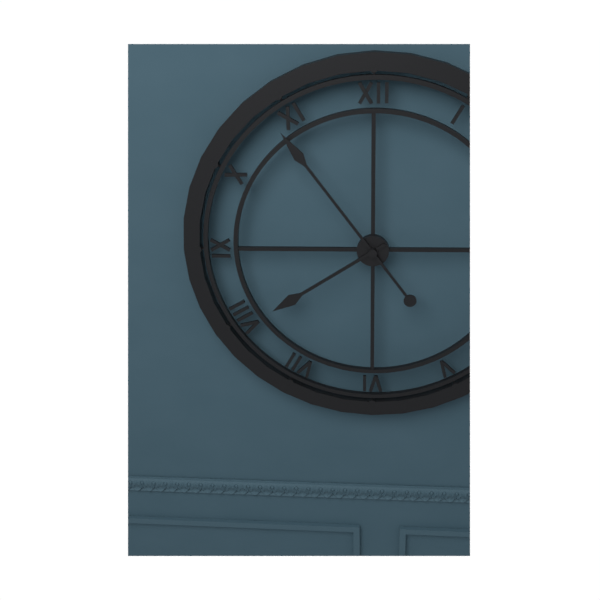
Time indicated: 7:54
